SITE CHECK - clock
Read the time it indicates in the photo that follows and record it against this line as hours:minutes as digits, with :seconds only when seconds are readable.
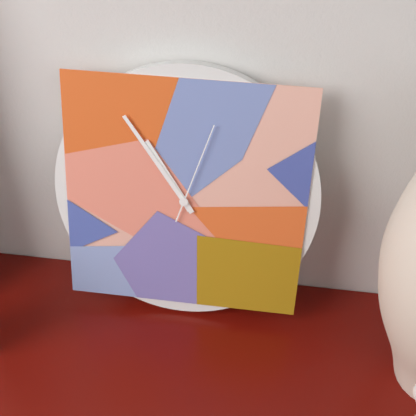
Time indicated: 10:54:03
